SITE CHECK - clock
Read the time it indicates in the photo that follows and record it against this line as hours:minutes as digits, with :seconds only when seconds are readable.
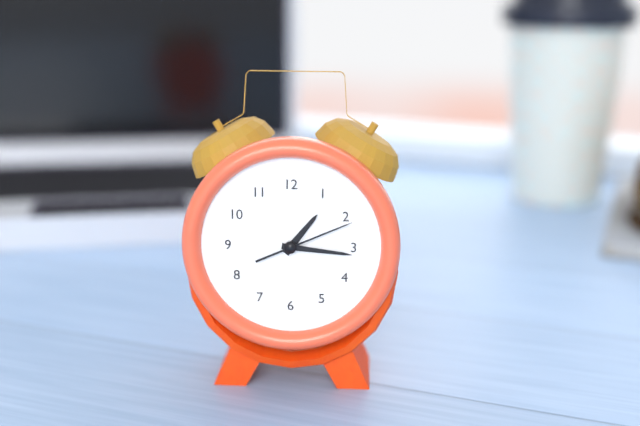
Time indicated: 1:16:11
